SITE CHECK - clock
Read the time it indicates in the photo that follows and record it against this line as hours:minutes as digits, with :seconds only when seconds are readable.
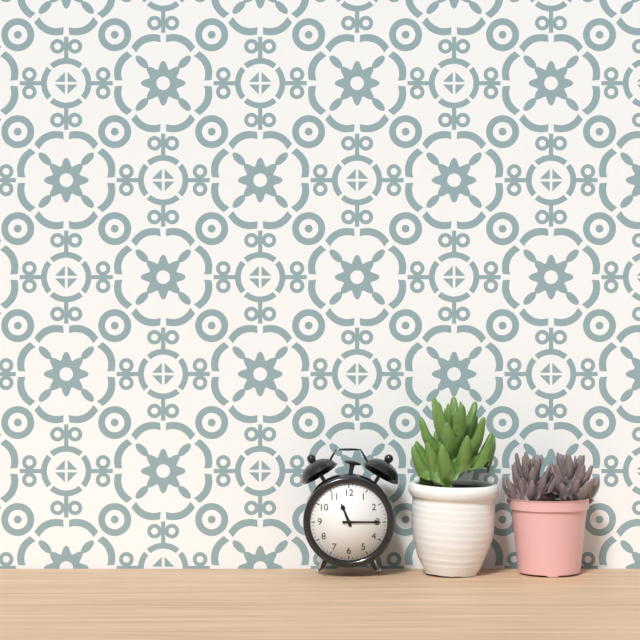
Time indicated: 11:15
